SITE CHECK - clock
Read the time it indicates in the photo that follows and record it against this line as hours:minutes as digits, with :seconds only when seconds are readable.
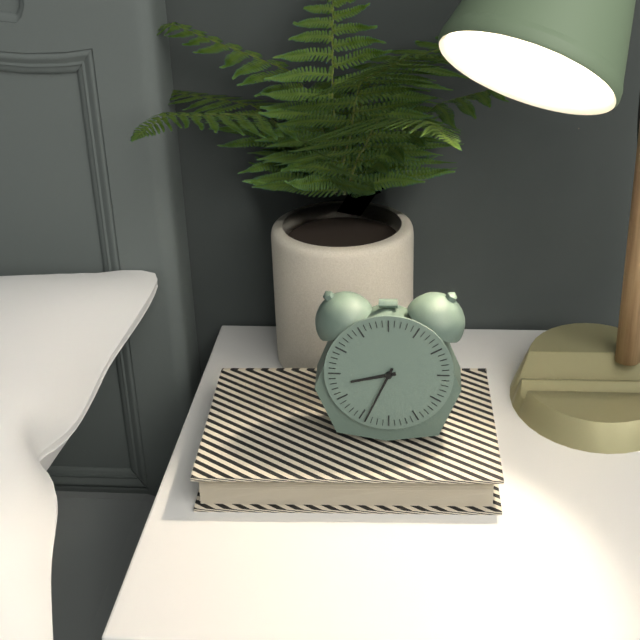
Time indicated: 8:34
